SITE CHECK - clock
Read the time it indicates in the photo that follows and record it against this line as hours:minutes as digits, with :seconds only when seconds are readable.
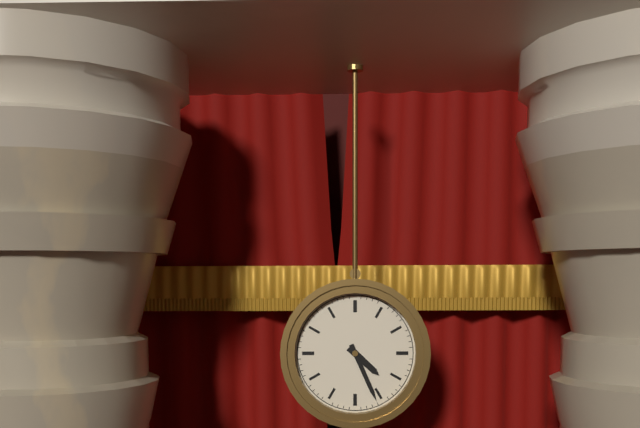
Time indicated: 4:26
